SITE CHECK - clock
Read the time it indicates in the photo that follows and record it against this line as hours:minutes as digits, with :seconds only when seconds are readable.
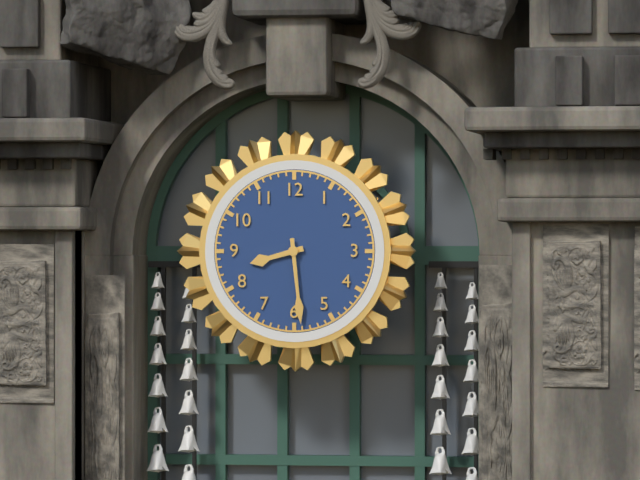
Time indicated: 8:29
